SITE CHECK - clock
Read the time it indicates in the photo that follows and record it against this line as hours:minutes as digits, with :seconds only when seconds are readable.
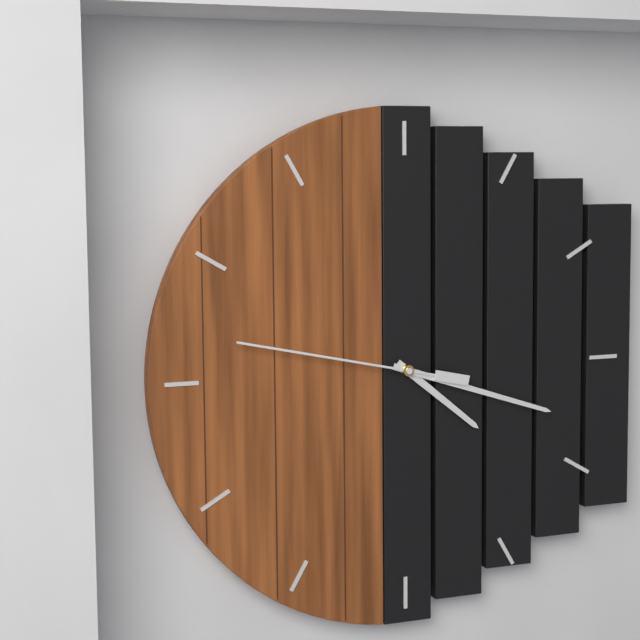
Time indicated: 4:18:47
